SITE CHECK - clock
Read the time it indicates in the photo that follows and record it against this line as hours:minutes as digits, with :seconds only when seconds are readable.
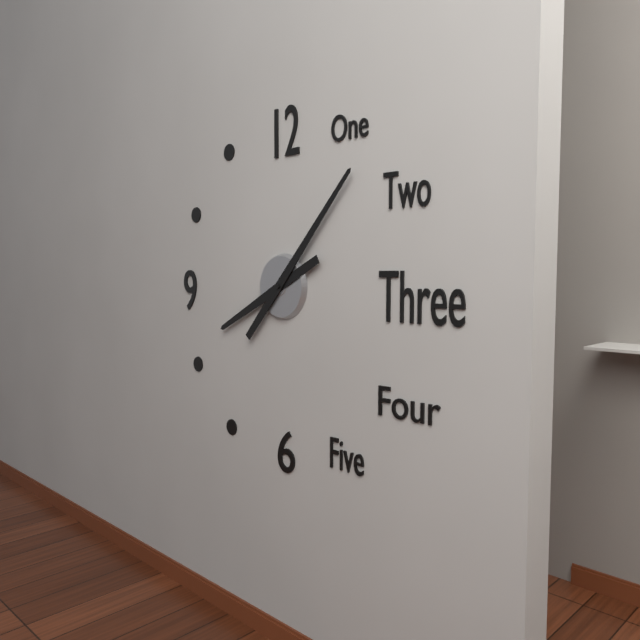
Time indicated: 8:07
